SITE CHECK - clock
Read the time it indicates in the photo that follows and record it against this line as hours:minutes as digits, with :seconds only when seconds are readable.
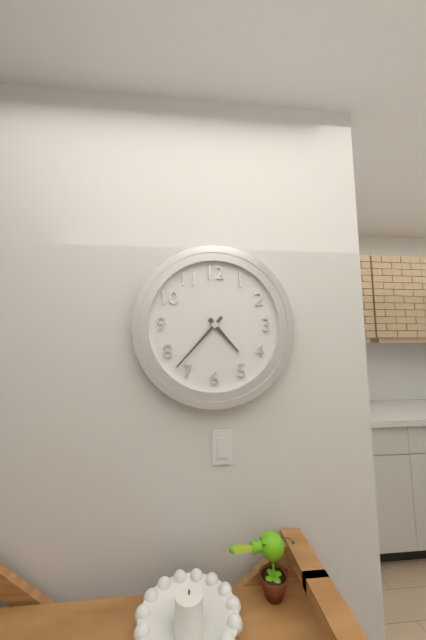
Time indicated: 4:37
